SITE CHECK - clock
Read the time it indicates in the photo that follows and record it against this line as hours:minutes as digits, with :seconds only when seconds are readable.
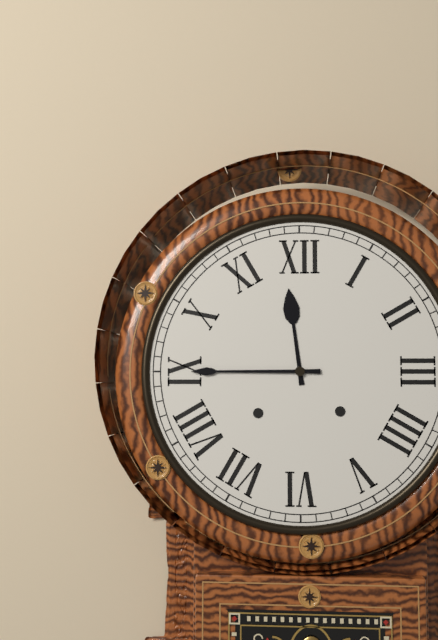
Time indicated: 11:45
